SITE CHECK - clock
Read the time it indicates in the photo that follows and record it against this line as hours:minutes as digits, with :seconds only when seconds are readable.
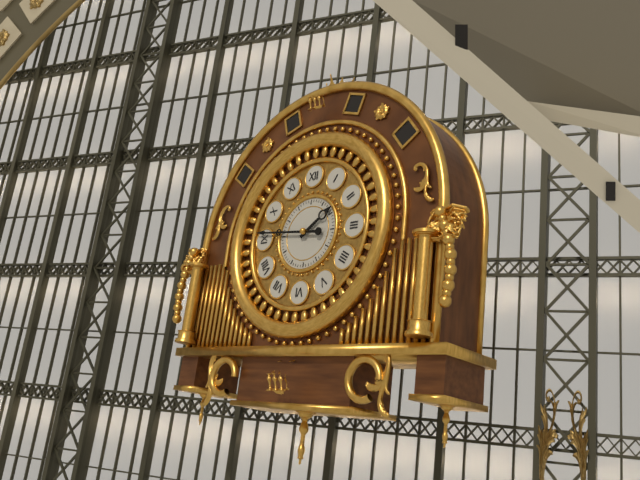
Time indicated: 1:46
